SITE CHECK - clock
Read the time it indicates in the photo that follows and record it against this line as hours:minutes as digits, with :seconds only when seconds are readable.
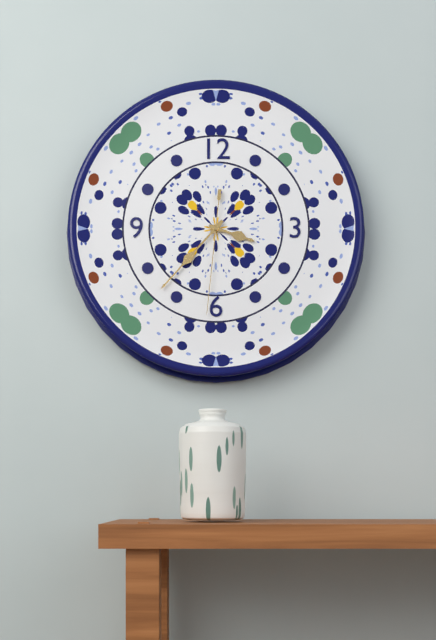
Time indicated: 3:37:31
